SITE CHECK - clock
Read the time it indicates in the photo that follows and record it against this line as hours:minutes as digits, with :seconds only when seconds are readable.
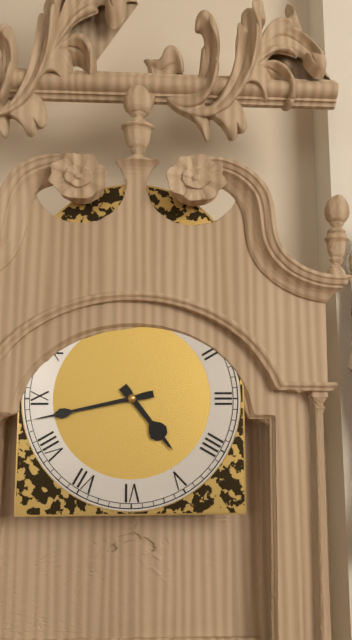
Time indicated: 4:43
